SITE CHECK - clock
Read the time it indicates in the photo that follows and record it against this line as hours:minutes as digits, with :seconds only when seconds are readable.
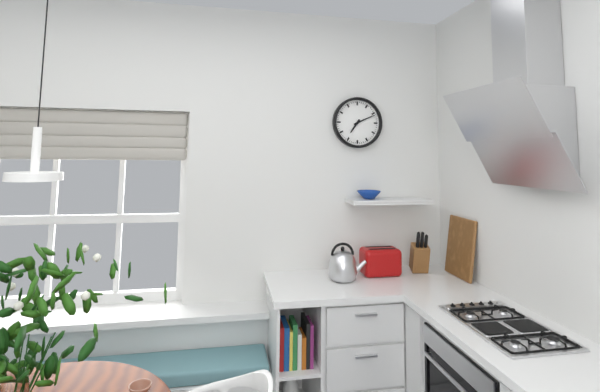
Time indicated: 7:11
